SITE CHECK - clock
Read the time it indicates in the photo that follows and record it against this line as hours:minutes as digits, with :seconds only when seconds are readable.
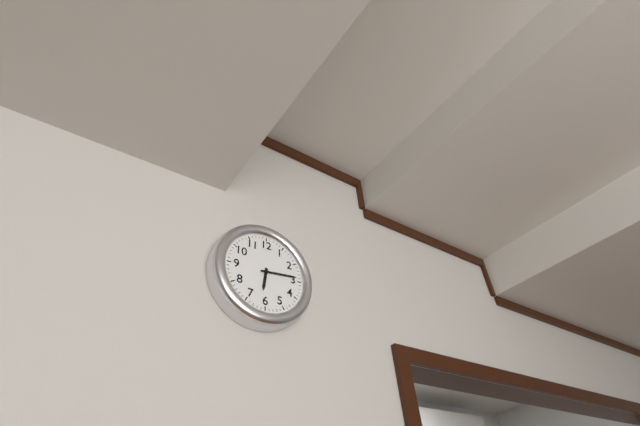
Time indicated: 6:14
